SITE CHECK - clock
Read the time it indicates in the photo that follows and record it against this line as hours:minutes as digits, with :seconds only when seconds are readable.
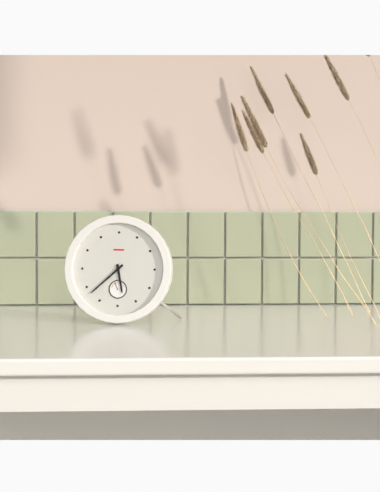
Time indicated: 5:38
